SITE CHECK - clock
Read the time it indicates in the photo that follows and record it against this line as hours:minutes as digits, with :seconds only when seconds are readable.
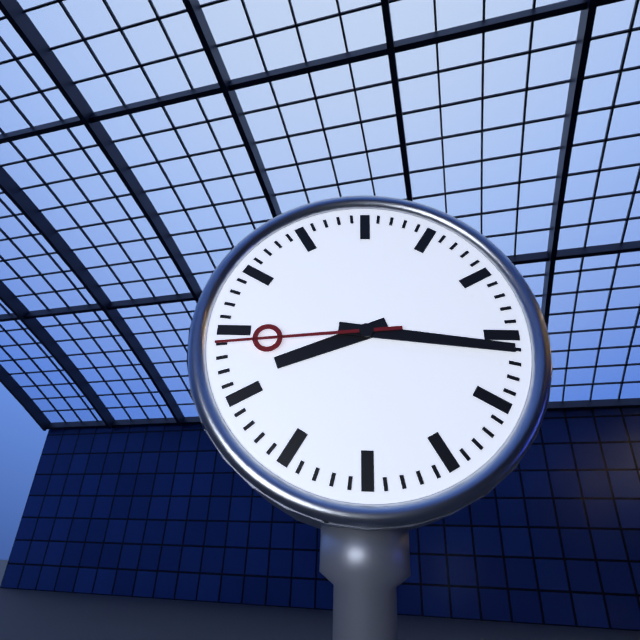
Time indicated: 8:16:44
